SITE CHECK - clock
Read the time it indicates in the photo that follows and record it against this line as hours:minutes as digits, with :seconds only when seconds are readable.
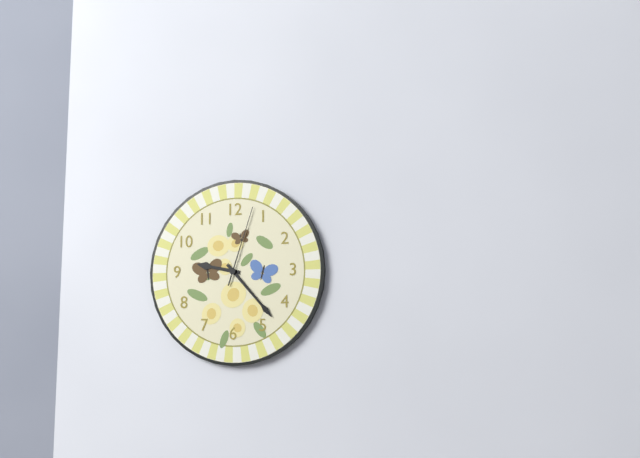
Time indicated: 9:23:03
